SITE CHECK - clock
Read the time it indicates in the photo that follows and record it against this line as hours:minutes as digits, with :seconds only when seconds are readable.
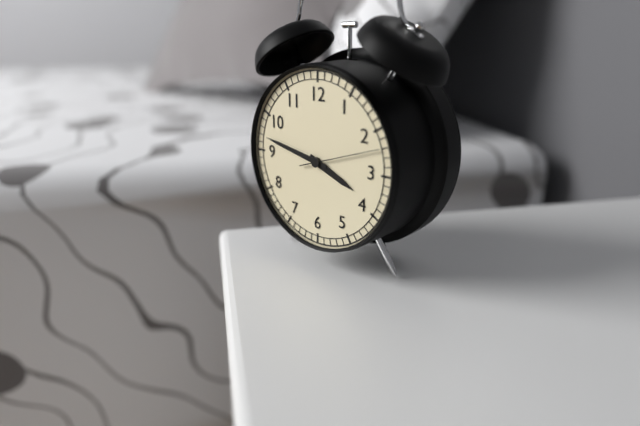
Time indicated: 3:47:12
